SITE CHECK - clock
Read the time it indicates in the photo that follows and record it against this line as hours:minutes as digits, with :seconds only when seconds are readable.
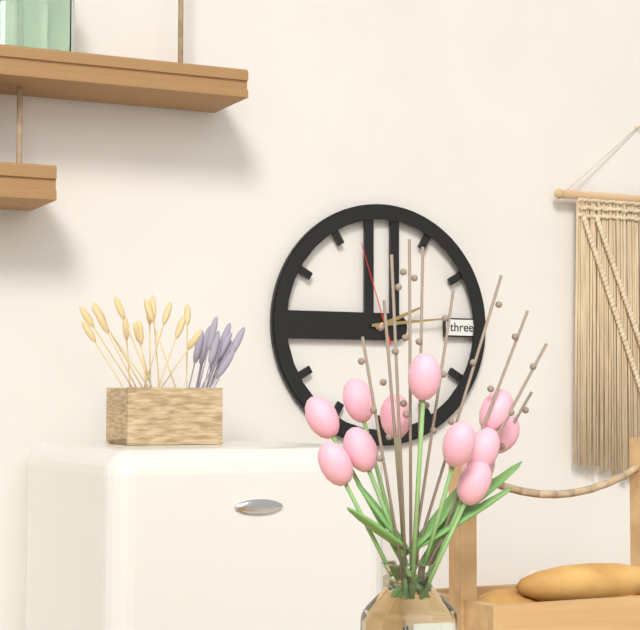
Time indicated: 2:14:57
